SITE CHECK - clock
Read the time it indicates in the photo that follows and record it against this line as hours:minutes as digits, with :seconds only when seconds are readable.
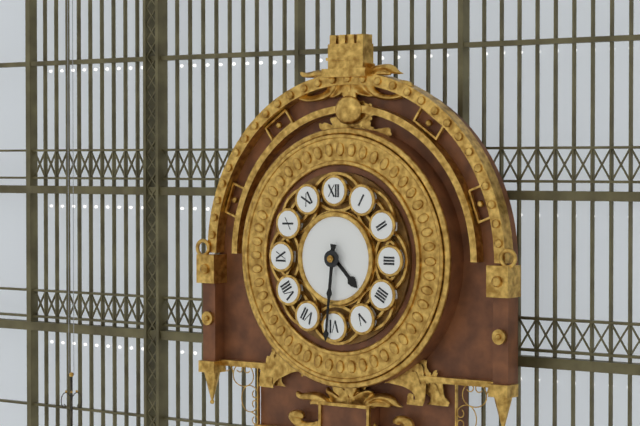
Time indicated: 4:31
